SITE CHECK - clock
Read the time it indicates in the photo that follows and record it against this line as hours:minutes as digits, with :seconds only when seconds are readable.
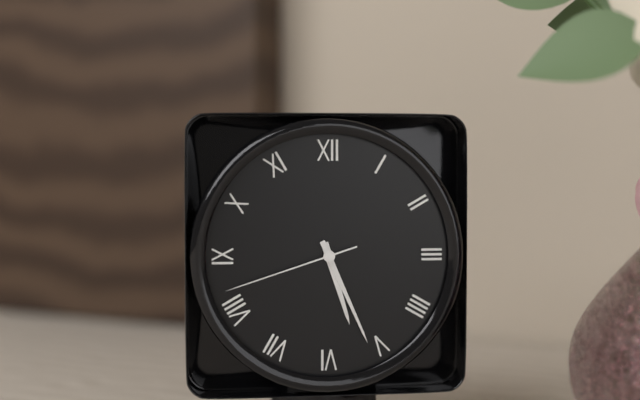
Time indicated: 5:26:42
